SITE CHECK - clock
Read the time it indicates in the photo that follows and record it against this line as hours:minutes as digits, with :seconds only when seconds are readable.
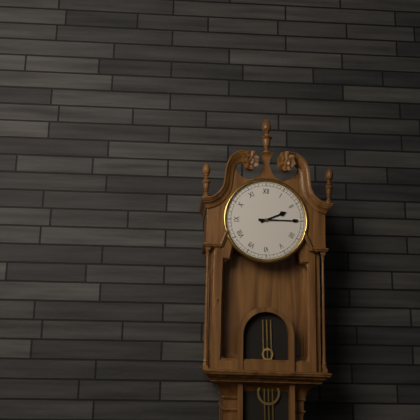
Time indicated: 2:15
